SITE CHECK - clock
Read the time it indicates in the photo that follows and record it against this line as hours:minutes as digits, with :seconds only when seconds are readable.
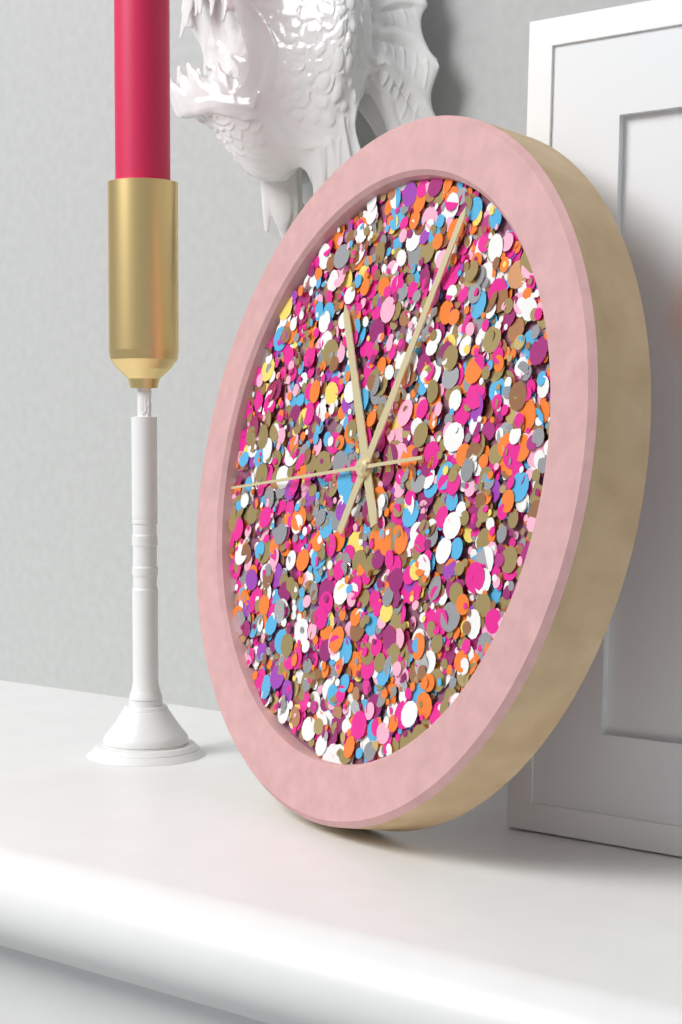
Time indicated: 11:04:44
